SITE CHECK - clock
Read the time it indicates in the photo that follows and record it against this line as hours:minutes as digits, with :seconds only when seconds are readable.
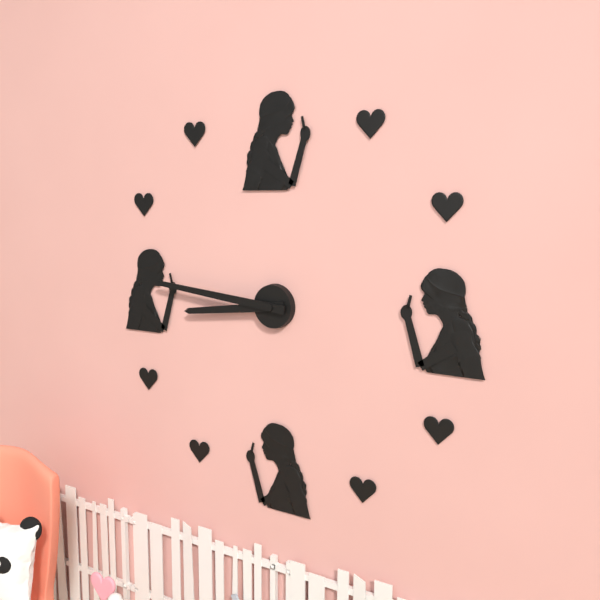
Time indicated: 8:46
